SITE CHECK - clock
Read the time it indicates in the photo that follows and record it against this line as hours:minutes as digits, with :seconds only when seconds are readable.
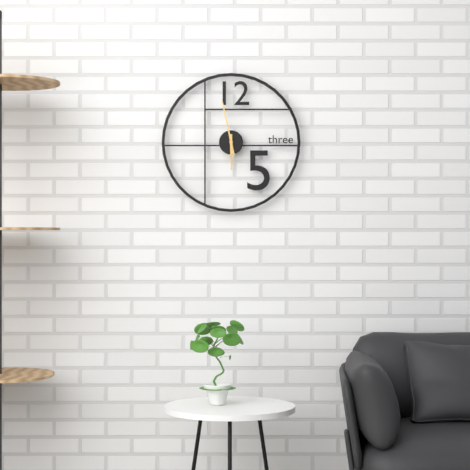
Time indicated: 5:58
